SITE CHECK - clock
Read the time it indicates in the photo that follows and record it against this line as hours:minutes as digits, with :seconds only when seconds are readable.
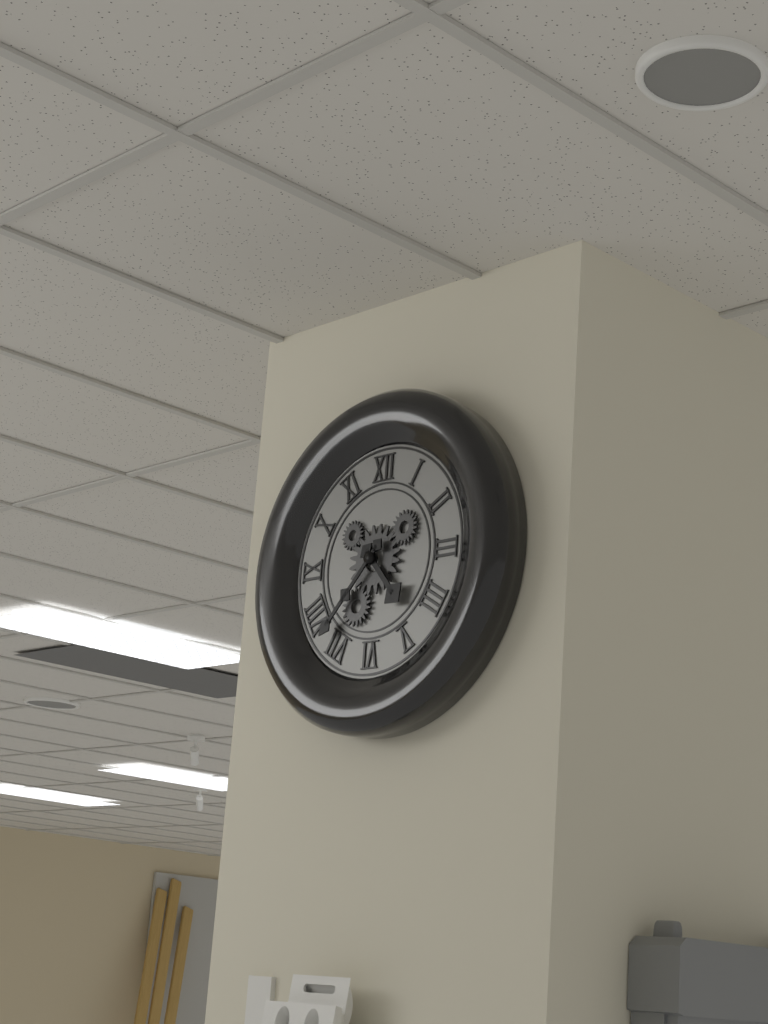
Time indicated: 4:37
